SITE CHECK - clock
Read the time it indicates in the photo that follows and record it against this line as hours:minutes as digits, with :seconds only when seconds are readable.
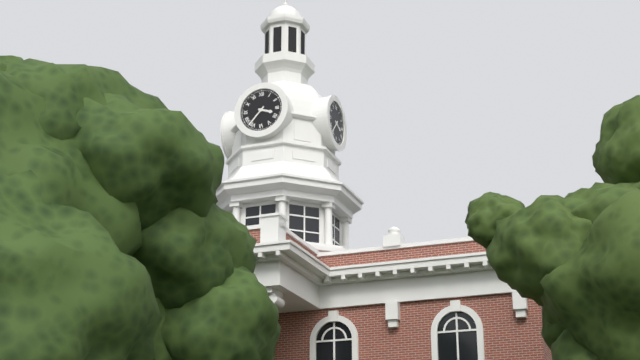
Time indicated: 3:37
